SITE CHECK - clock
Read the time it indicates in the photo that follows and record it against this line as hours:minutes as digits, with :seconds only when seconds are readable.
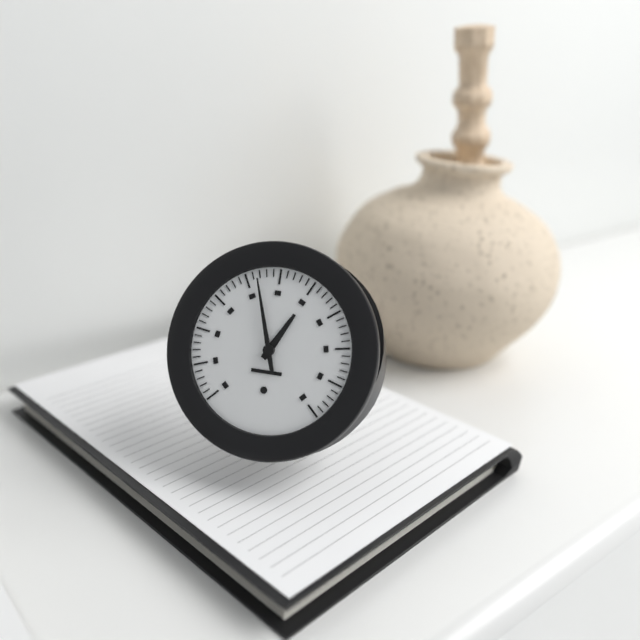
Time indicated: 12:57
